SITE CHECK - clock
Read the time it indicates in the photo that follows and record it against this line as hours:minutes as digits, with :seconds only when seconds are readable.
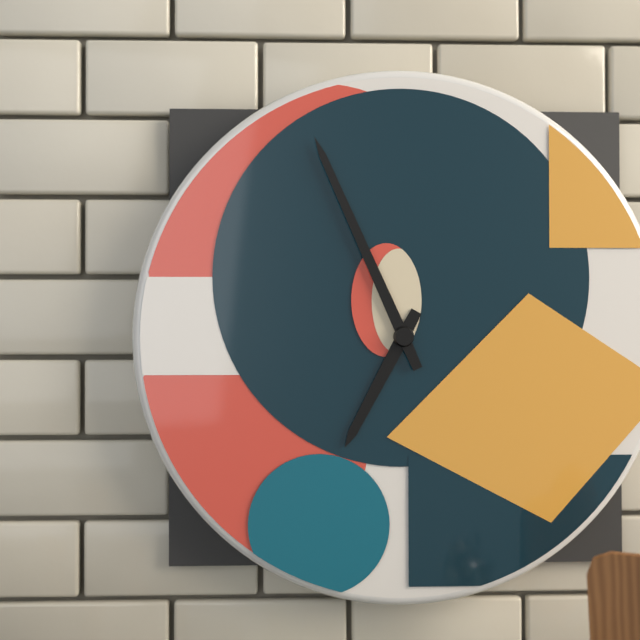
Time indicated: 6:56
